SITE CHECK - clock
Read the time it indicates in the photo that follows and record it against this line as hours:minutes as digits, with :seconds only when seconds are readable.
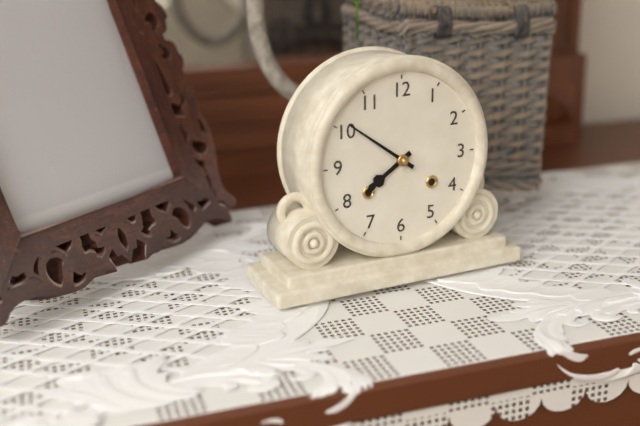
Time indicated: 7:51
